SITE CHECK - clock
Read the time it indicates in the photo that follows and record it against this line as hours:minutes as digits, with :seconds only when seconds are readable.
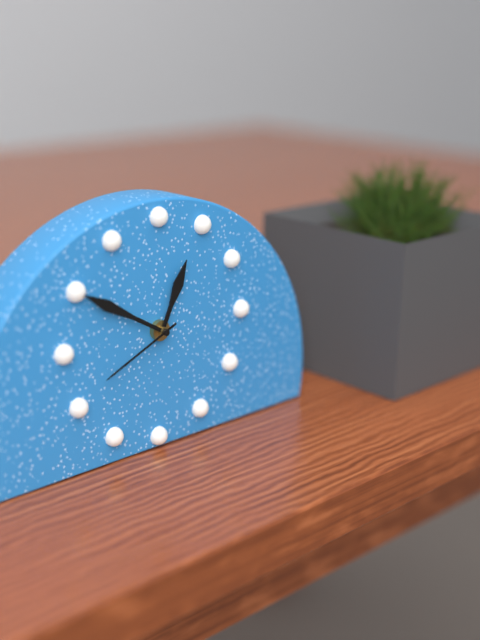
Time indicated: 12:50:41
